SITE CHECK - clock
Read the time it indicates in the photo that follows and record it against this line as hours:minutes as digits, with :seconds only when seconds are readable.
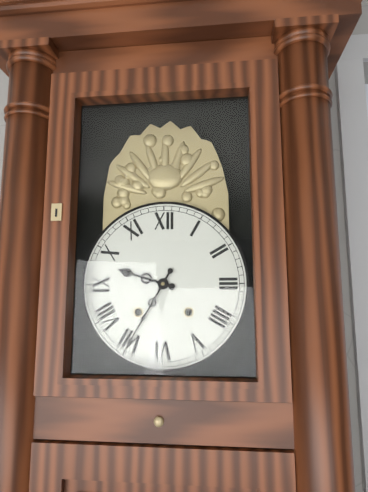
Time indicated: 9:35
